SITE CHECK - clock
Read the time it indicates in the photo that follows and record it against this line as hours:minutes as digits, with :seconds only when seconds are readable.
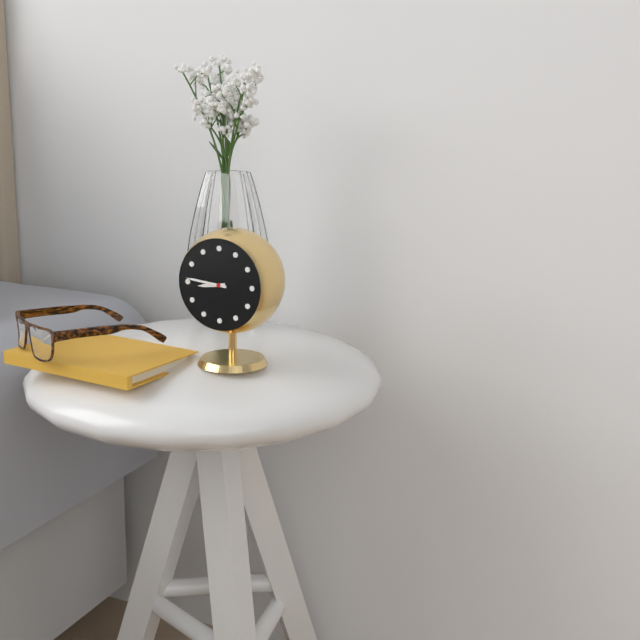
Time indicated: 8:46
